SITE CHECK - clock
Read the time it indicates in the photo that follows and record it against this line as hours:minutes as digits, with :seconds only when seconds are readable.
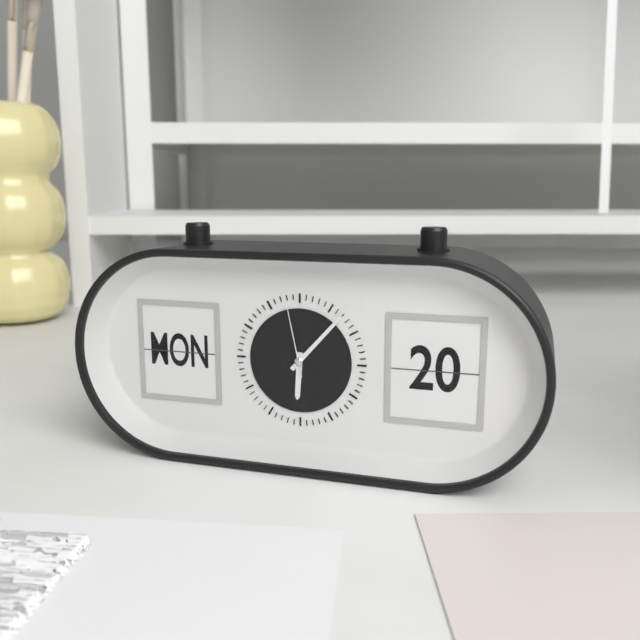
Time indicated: 6:07:58
